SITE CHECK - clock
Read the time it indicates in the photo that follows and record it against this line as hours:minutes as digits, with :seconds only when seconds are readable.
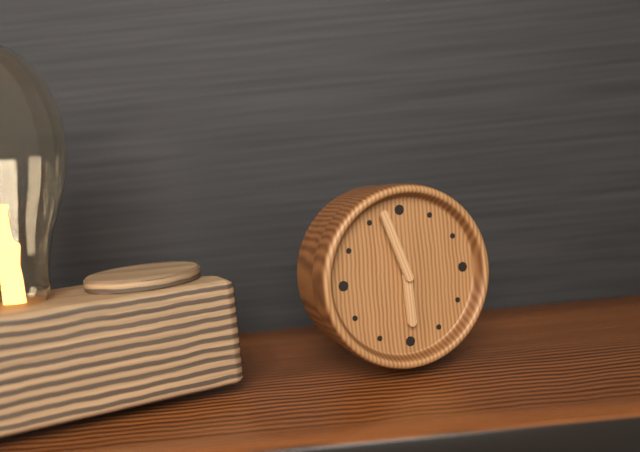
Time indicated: 5:57
